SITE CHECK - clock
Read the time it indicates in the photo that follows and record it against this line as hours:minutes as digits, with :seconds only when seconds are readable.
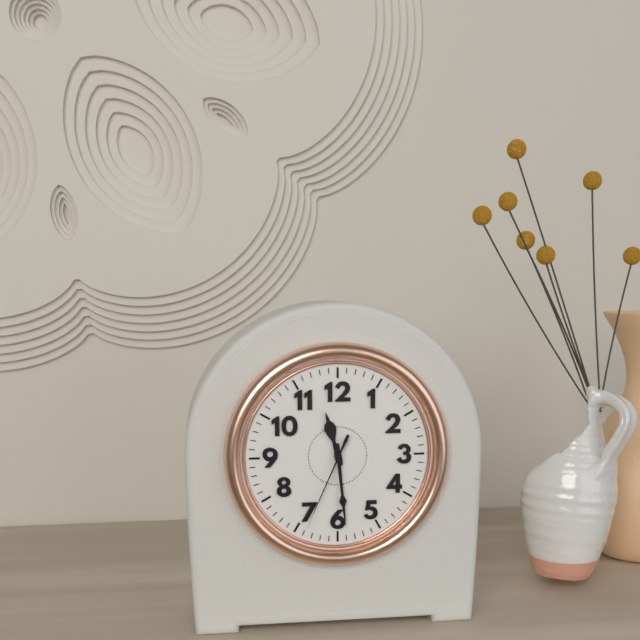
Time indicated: 11:29:34
